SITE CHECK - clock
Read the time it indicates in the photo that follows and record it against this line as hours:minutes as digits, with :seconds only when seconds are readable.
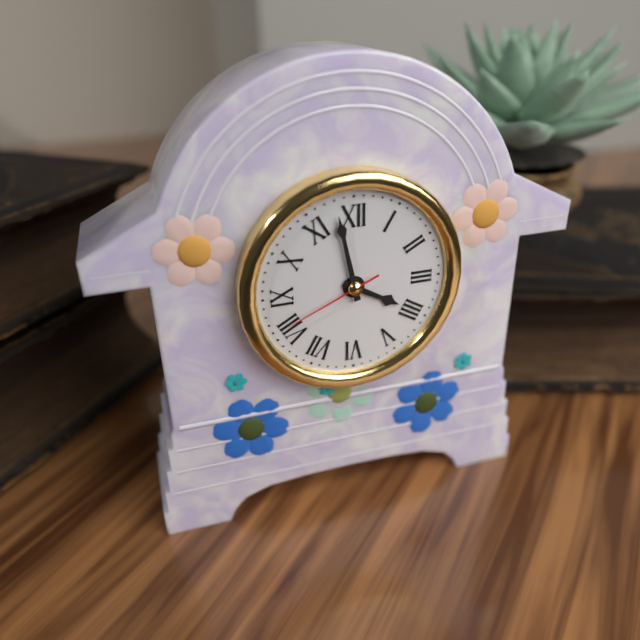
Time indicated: 3:58:41
